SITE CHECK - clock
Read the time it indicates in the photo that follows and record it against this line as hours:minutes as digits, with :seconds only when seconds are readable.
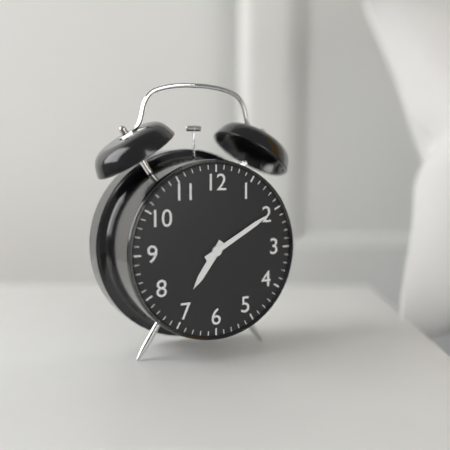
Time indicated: 7:10
